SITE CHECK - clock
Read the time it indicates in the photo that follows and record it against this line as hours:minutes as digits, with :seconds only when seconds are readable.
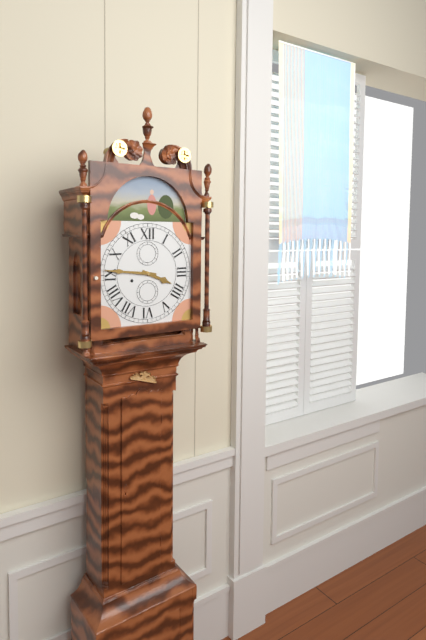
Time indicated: 3:46
